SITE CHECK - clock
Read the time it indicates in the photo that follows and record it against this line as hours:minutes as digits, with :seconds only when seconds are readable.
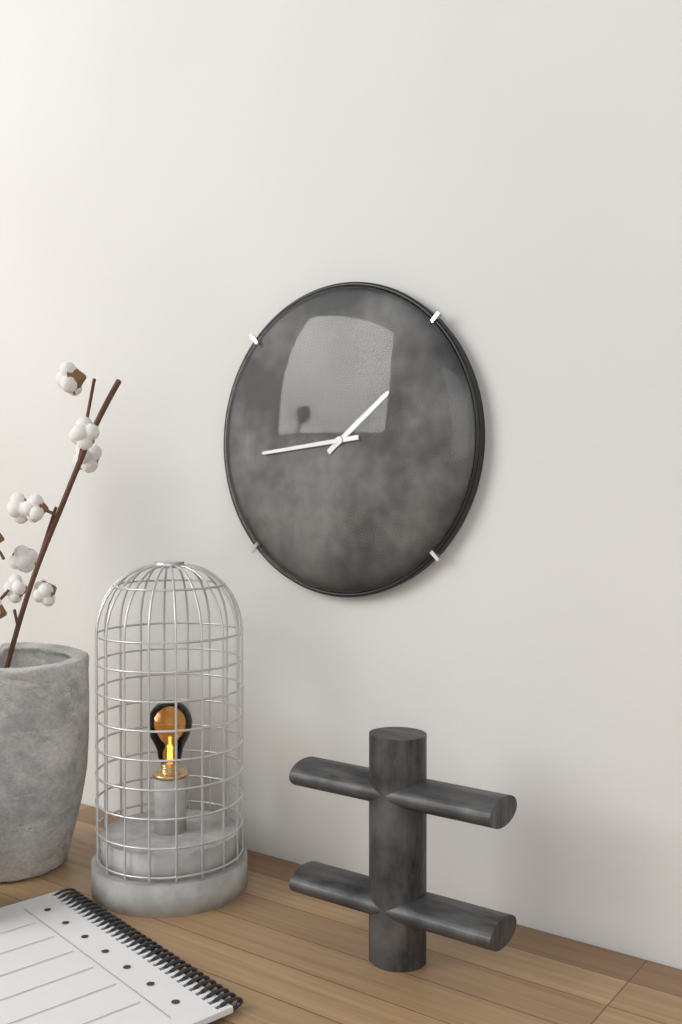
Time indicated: 1:44
